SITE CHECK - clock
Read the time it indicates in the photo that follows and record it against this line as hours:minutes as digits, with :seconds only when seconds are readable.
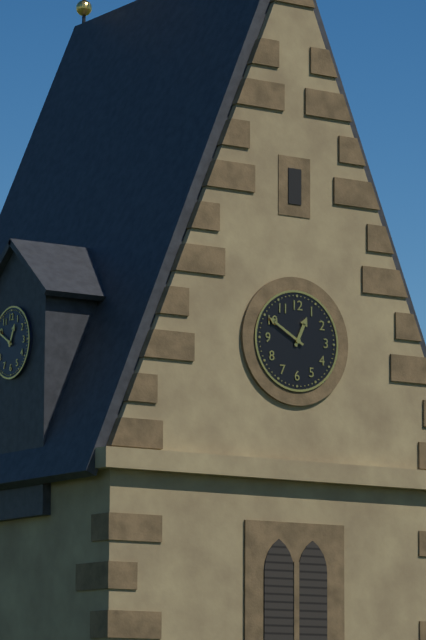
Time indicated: 12:50
